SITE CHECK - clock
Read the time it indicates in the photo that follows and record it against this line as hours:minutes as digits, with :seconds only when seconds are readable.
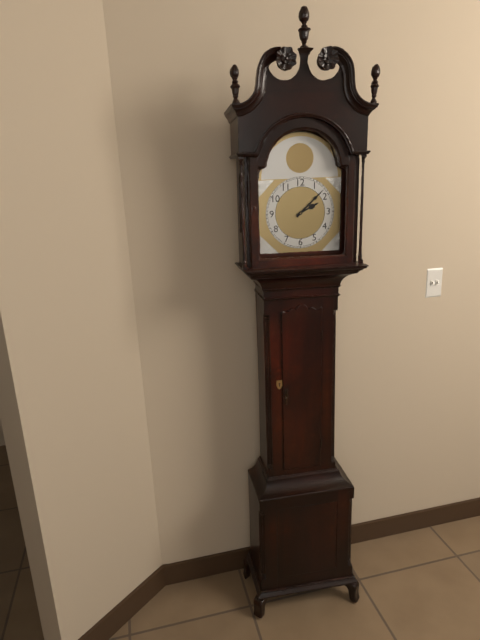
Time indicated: 2:08
